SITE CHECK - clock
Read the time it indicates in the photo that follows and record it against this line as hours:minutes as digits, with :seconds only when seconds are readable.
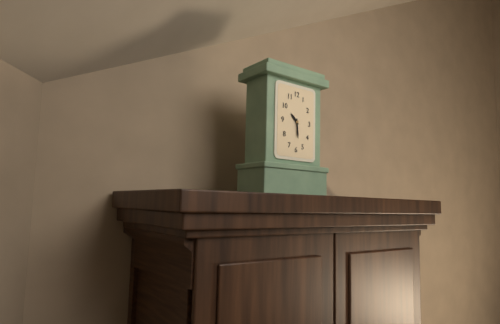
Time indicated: 10:29
